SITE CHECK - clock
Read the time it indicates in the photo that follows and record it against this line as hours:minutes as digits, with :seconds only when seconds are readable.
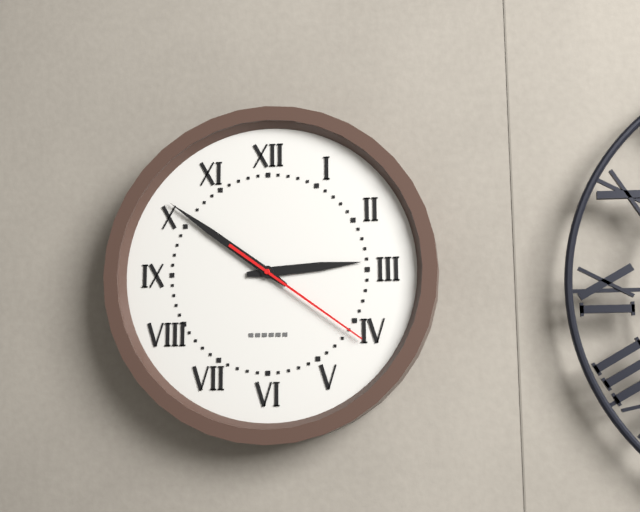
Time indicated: 2:51:21
